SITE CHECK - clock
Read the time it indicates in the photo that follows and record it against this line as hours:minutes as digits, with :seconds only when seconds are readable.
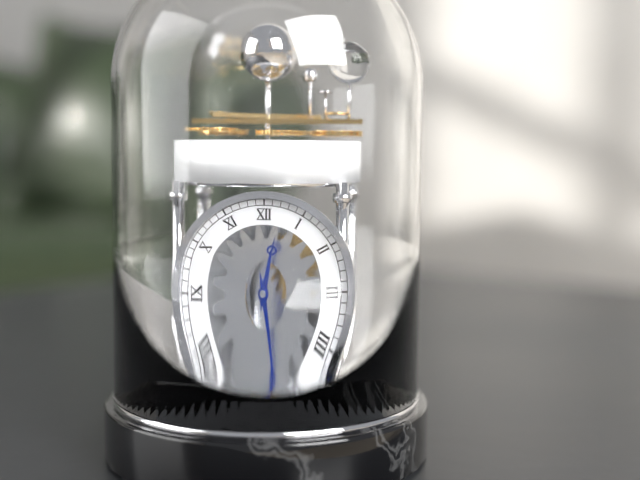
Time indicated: 12:28
